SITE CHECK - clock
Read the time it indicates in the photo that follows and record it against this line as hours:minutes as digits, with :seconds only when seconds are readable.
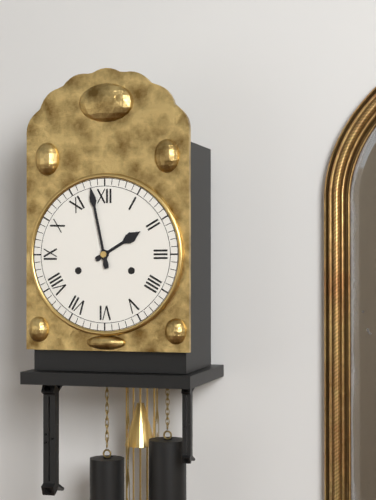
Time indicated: 1:58
